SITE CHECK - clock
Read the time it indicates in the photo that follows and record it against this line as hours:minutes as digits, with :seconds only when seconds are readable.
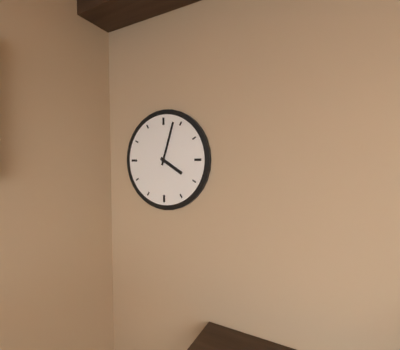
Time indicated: 4:03
